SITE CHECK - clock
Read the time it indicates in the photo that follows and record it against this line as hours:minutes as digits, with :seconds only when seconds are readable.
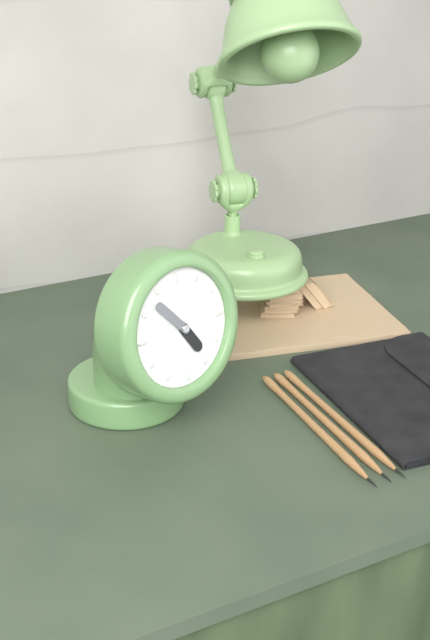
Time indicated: 4:53
